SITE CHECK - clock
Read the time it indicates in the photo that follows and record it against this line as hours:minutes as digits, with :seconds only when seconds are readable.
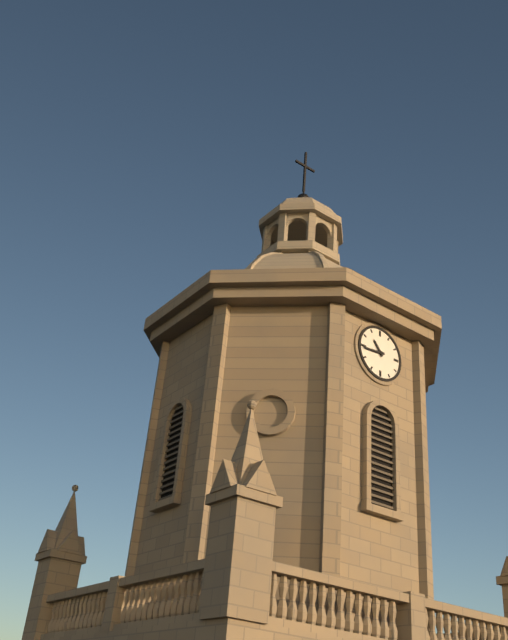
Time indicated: 10:44
